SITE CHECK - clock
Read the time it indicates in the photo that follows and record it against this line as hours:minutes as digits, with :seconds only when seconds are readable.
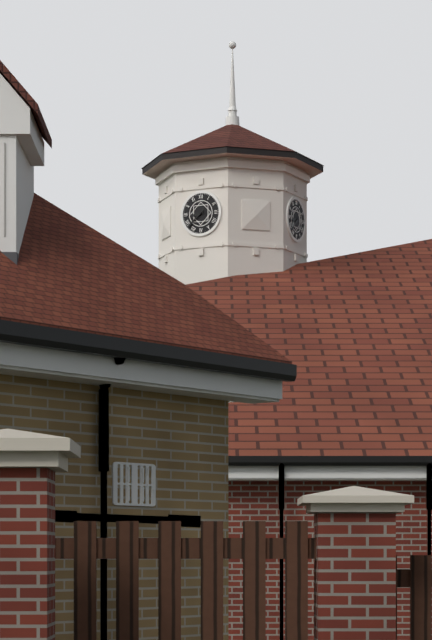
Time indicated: 8:38
